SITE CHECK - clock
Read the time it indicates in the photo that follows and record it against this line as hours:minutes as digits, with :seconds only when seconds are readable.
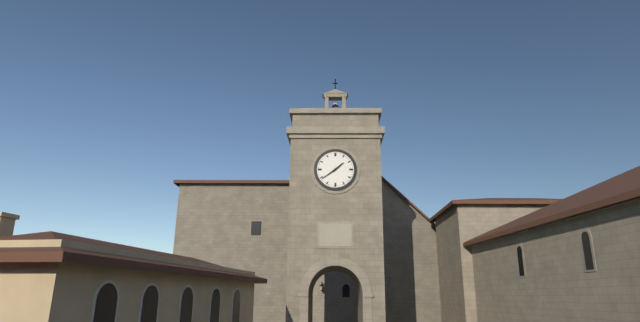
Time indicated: 1:39
